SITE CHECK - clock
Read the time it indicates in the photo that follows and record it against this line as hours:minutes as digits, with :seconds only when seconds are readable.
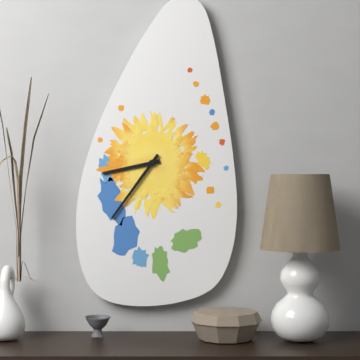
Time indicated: 8:36
